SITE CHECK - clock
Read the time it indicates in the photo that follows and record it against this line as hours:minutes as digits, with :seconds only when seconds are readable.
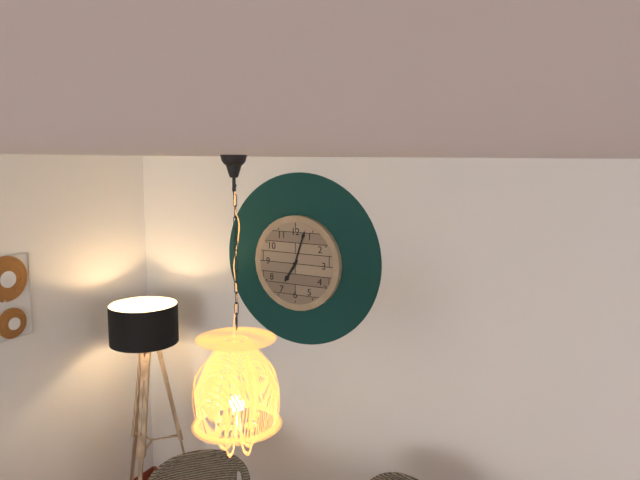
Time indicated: 7:03
